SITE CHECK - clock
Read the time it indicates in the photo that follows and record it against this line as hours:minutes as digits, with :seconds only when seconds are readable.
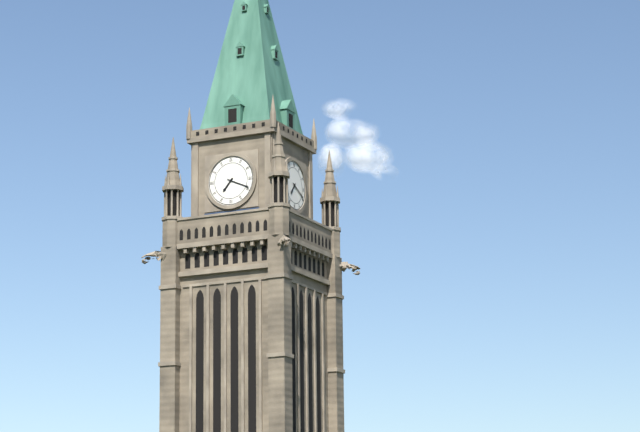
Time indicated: 7:19
